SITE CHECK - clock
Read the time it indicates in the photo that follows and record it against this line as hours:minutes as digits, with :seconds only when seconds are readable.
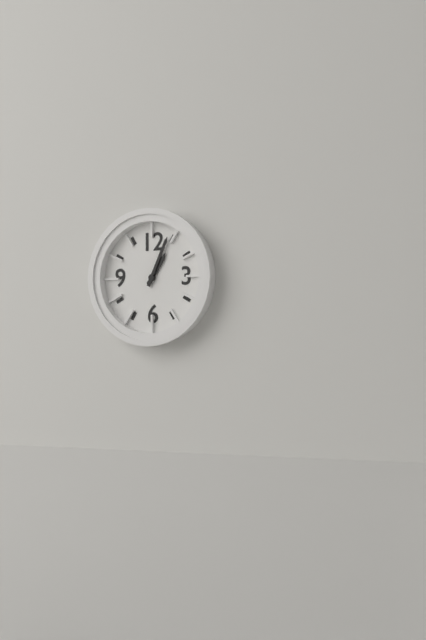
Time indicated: 1:04
